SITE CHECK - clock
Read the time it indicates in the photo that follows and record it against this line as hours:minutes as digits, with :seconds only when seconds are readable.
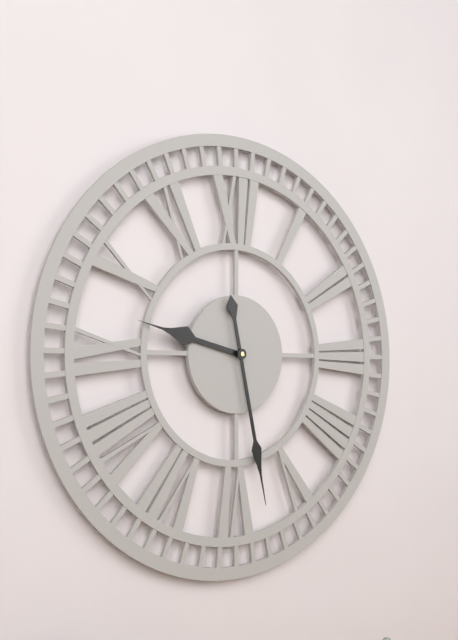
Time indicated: 9:28
